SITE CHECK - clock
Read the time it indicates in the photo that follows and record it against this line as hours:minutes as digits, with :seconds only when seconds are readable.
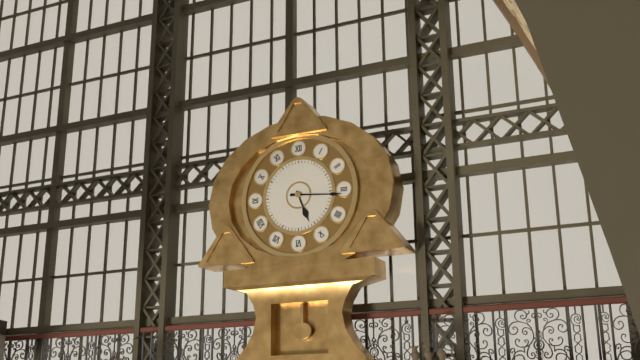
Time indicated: 5:16
